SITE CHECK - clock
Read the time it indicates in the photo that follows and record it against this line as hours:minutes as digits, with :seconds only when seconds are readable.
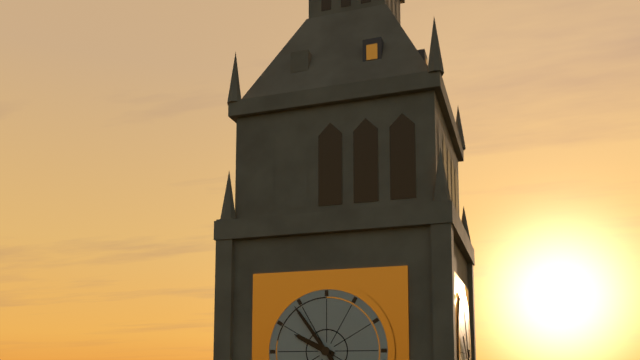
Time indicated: 9:54
